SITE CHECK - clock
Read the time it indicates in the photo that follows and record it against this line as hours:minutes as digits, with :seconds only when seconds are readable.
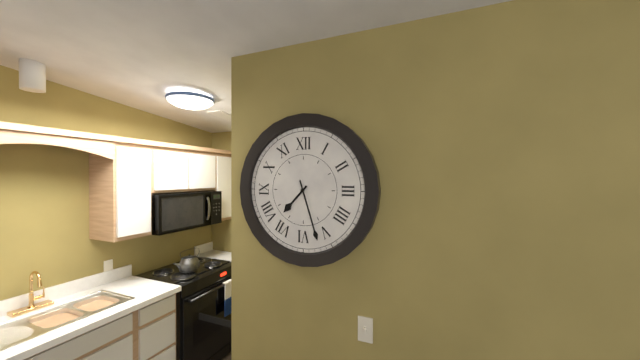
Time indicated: 7:27
